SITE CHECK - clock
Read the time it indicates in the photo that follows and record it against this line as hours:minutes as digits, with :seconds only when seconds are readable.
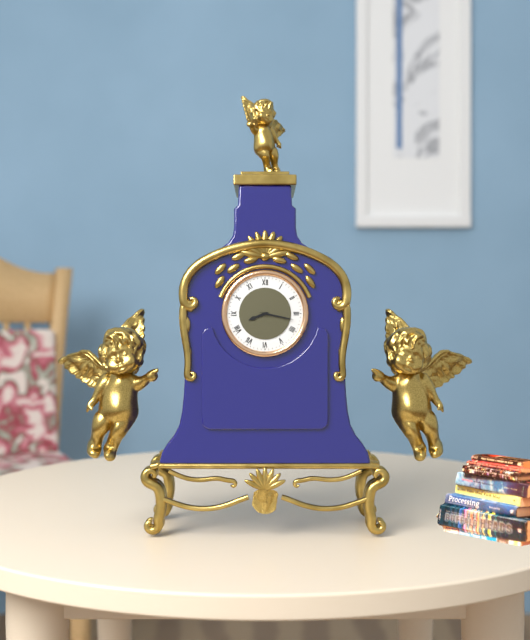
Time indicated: 8:17
